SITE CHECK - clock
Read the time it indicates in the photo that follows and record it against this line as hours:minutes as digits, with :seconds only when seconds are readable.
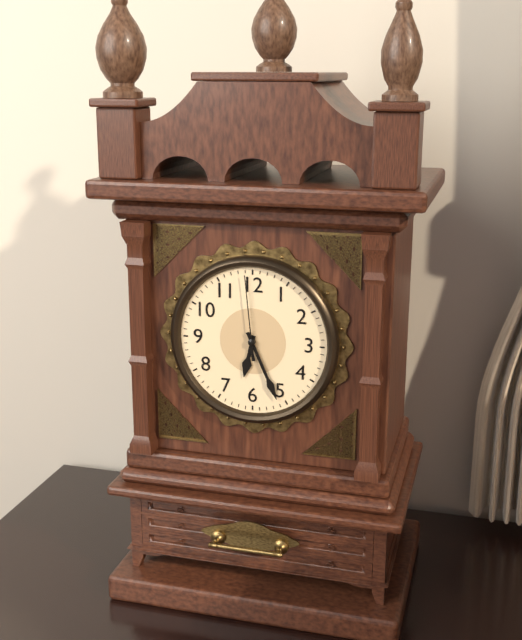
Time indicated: 6:26:59
